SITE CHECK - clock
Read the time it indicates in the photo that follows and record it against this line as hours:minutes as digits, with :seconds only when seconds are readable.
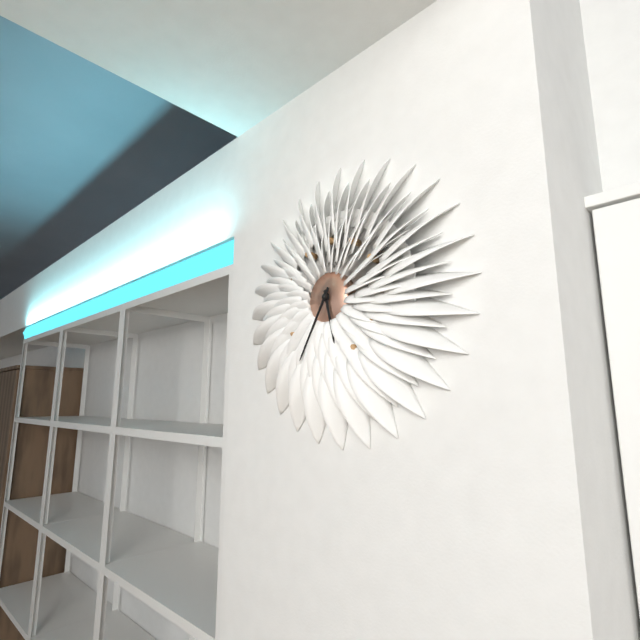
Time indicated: 5:35
